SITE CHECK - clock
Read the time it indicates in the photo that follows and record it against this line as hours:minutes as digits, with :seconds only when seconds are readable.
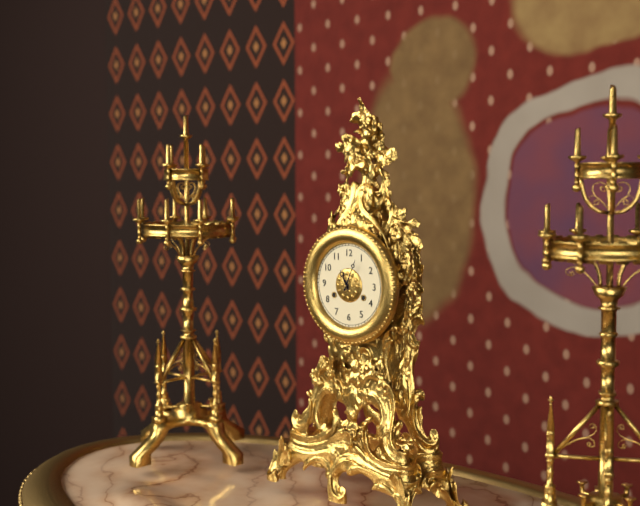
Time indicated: 11:04
